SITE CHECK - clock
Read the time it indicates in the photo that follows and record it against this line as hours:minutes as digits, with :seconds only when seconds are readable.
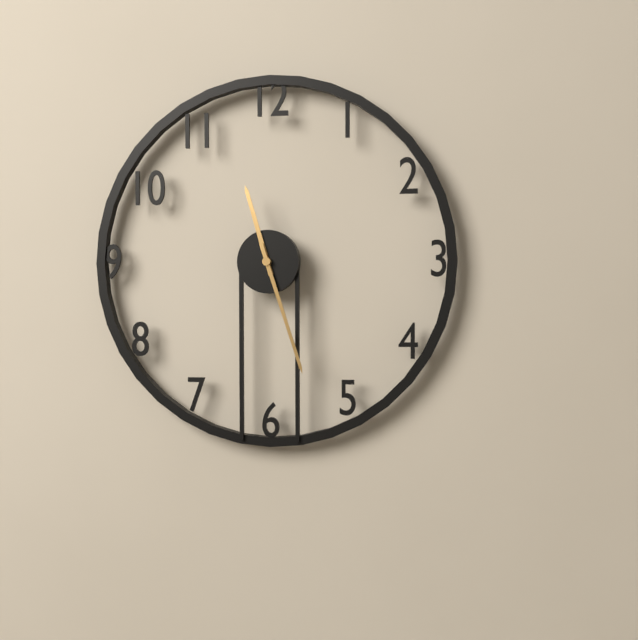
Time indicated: 11:27
